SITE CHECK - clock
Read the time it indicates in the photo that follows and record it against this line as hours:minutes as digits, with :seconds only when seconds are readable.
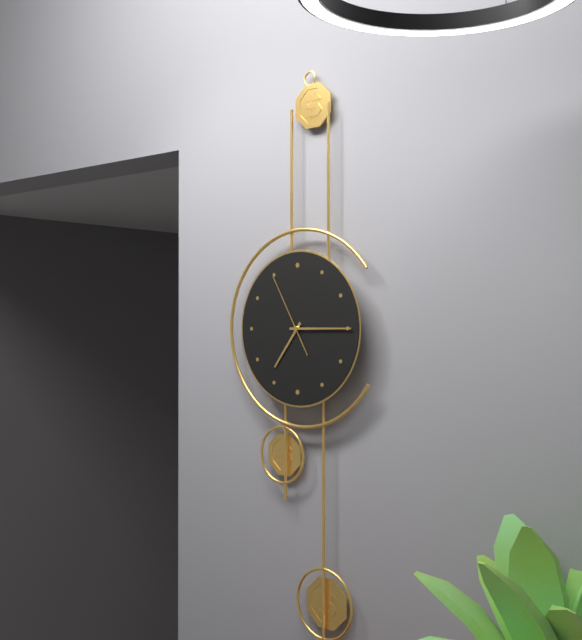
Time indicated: 7:15:55
